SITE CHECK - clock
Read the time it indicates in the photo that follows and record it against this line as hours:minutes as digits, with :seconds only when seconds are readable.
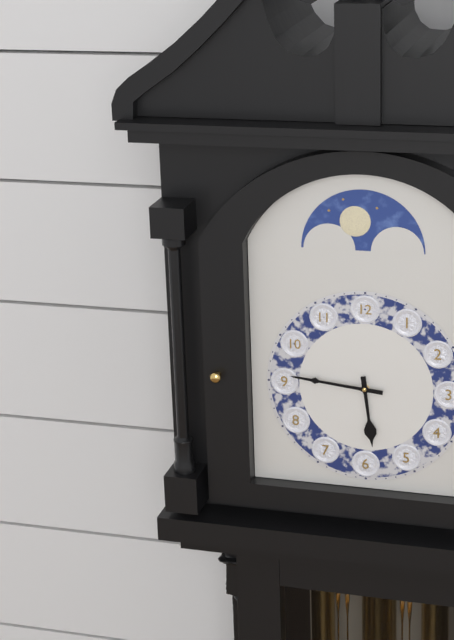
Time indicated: 5:46
